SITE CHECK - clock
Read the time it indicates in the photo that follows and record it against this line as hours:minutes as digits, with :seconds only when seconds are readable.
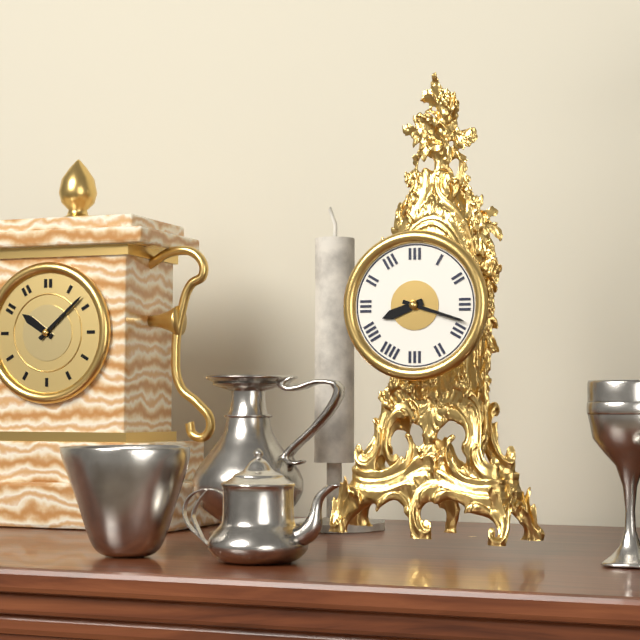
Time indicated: 8:18
